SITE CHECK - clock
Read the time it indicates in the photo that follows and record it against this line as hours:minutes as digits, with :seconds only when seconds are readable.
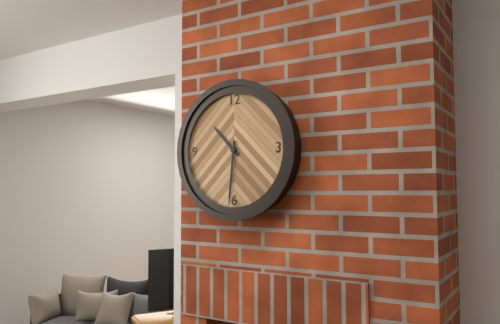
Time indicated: 10:31
